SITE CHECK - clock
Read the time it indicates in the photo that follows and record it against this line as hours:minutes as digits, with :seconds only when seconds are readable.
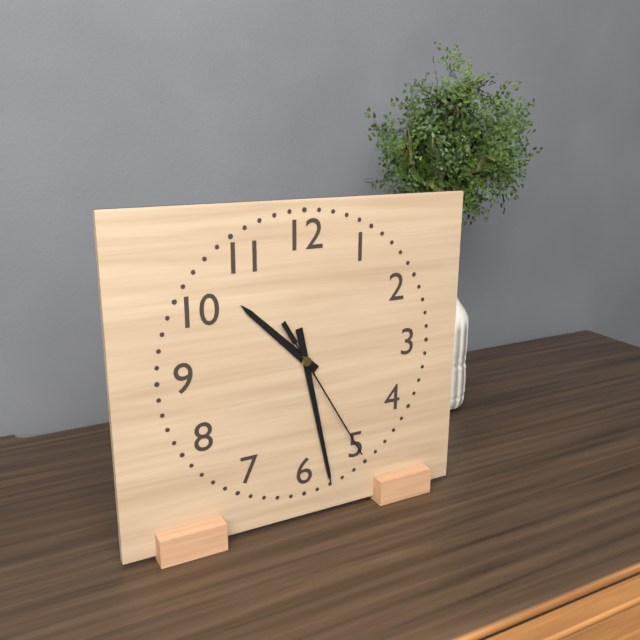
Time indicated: 10:28:25
